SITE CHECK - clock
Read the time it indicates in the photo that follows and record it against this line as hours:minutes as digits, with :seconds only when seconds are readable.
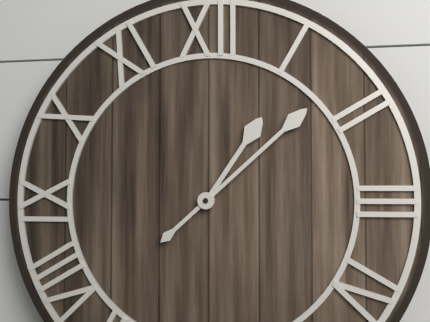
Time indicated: 1:08
